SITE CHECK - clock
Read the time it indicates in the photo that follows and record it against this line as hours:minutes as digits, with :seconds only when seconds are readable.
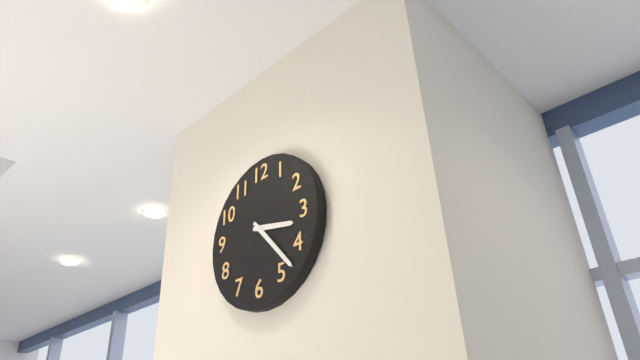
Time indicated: 3:23
